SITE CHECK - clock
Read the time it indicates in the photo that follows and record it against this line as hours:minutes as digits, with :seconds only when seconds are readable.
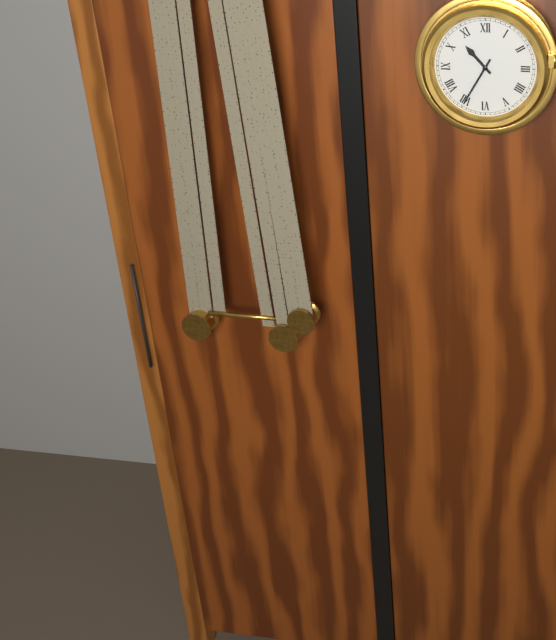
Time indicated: 10:35
